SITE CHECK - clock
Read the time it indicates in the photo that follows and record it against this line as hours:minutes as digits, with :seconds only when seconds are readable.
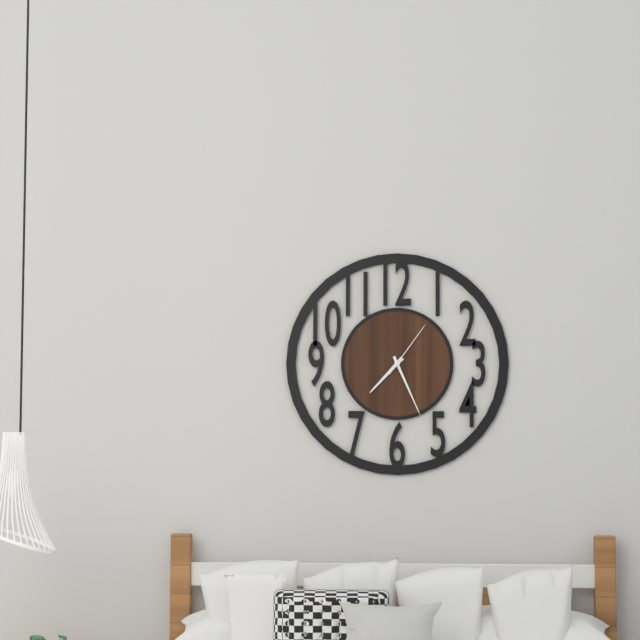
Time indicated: 7:26:06
